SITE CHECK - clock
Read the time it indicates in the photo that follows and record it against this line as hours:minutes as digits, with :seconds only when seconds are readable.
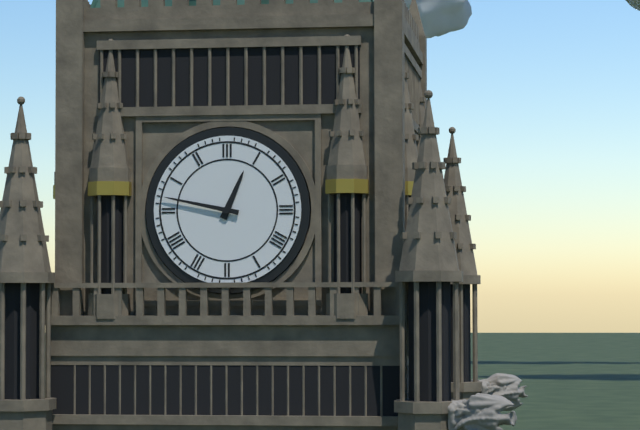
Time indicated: 12:47
